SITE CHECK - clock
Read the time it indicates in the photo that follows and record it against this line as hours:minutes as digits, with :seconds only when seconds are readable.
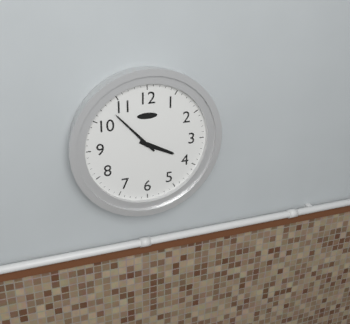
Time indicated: 3:53
